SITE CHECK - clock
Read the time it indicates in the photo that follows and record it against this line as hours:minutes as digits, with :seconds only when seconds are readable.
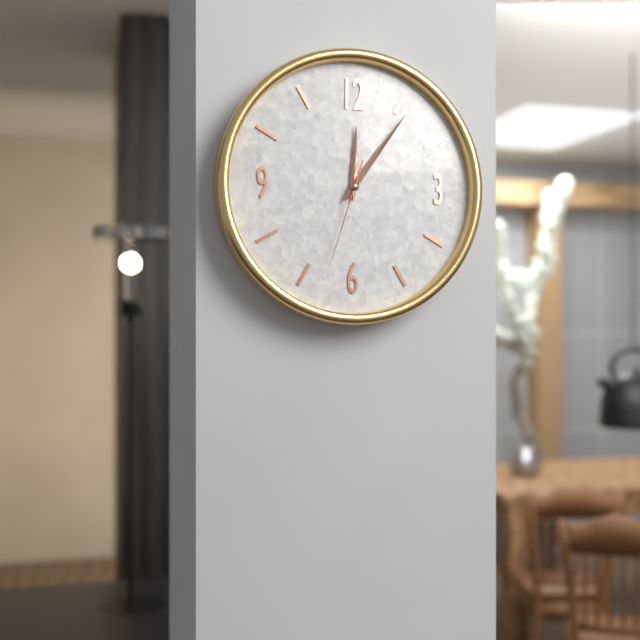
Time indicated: 12:06:33
